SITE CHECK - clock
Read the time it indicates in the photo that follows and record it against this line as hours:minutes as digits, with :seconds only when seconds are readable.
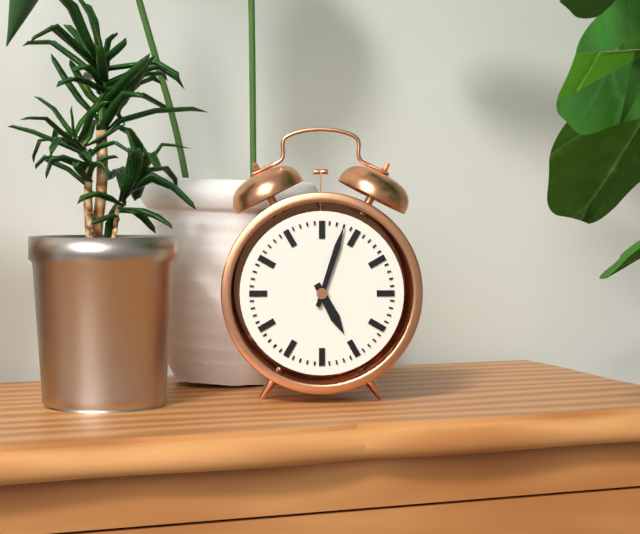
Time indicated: 5:03
